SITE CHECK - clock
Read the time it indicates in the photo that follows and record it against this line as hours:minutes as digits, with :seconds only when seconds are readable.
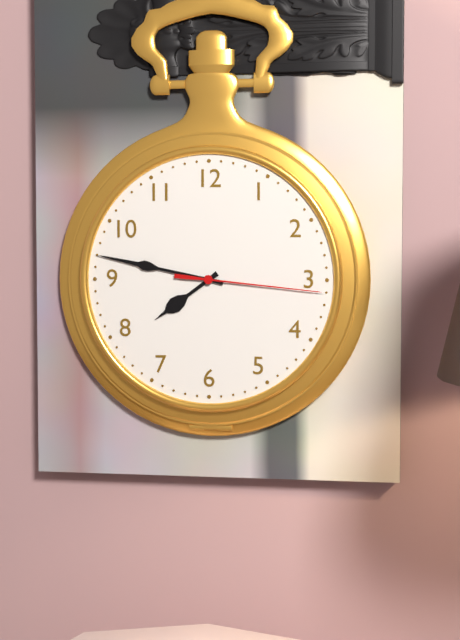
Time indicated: 7:47:16
